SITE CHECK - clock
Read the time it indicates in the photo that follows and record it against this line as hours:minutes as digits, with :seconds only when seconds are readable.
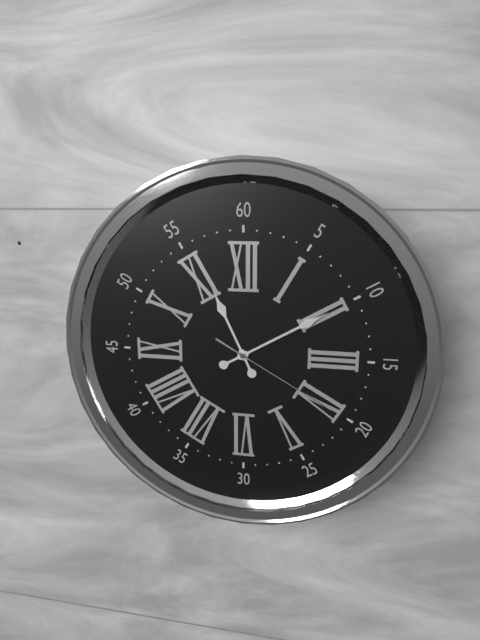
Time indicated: 11:10:20
